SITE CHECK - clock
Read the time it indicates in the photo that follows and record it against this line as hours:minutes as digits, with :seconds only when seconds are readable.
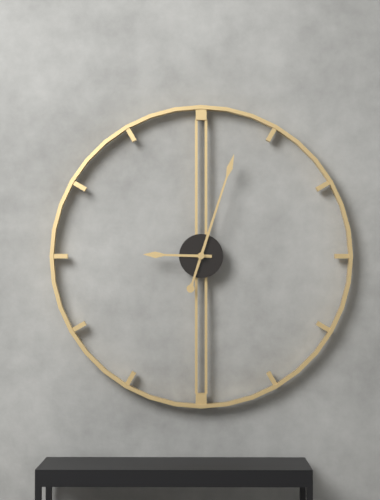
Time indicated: 9:03
